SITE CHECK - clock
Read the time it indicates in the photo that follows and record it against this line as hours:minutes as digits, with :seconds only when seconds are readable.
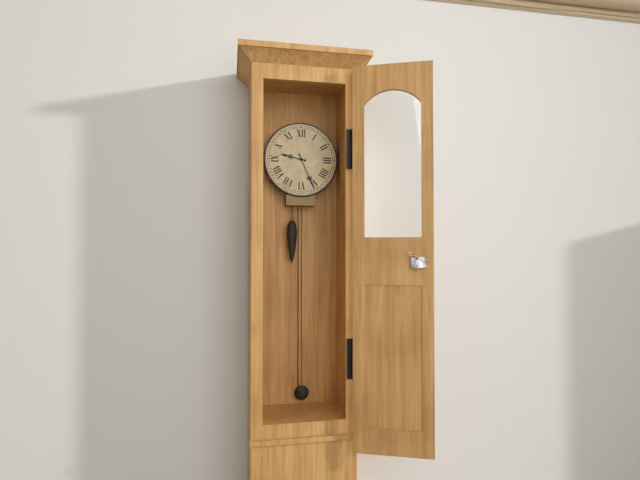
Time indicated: 9:26
